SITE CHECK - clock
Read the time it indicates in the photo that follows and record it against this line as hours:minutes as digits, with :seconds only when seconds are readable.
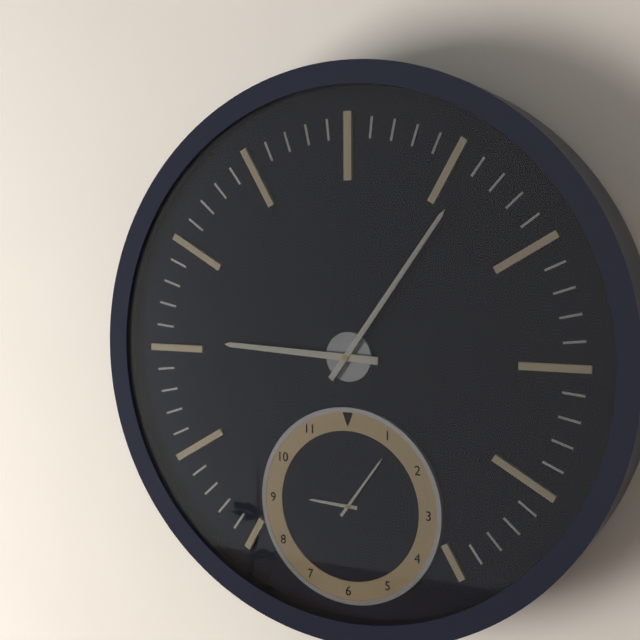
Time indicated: 9:06
